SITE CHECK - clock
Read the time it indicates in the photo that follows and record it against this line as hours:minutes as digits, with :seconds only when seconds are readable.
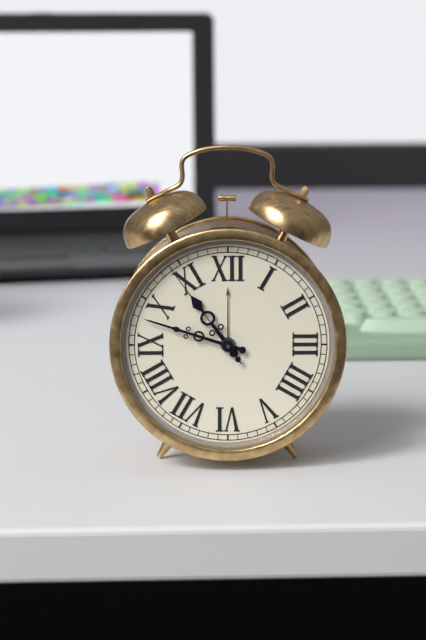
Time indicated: 10:48:54
